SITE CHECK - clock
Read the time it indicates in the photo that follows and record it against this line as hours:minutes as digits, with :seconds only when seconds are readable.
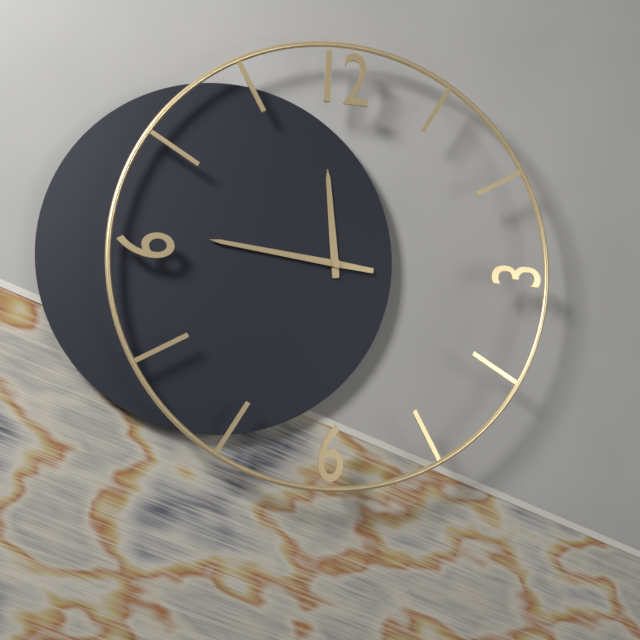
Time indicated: 11:46
